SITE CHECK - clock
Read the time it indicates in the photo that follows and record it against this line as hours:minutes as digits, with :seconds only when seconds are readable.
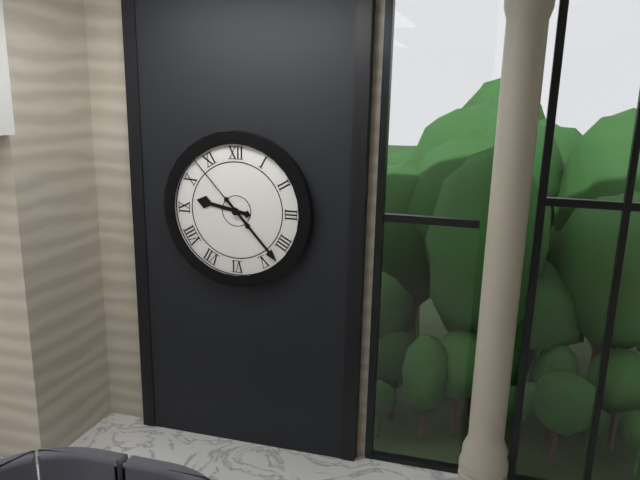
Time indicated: 9:23:53
